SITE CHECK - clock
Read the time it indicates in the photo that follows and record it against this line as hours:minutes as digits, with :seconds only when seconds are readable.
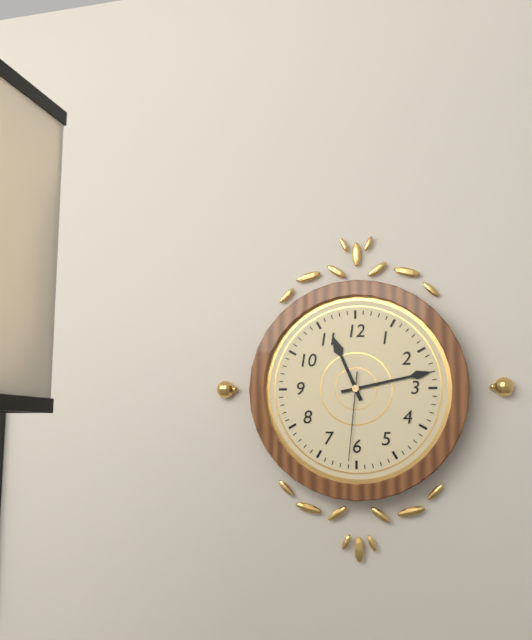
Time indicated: 11:13:31
